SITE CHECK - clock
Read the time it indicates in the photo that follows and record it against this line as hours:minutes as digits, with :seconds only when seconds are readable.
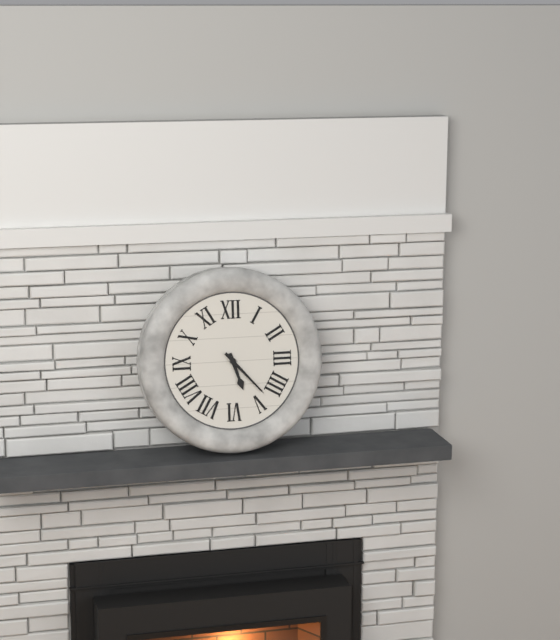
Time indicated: 5:23
